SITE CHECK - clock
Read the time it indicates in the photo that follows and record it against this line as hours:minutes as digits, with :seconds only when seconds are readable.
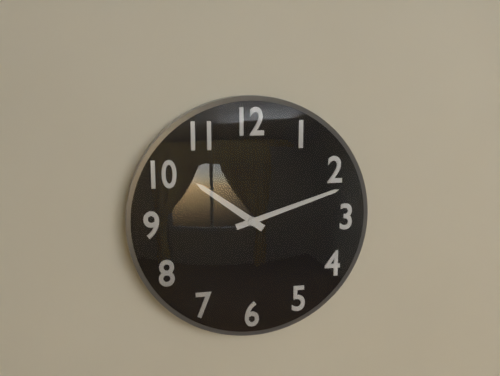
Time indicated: 10:12
